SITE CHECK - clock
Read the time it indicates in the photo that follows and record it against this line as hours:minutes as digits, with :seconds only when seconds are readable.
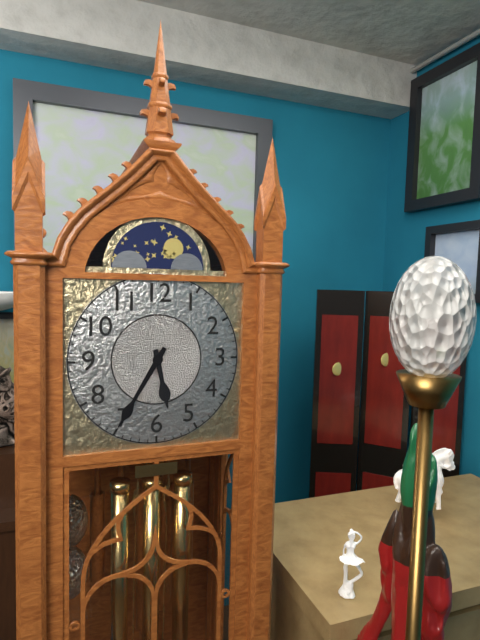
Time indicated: 5:35
